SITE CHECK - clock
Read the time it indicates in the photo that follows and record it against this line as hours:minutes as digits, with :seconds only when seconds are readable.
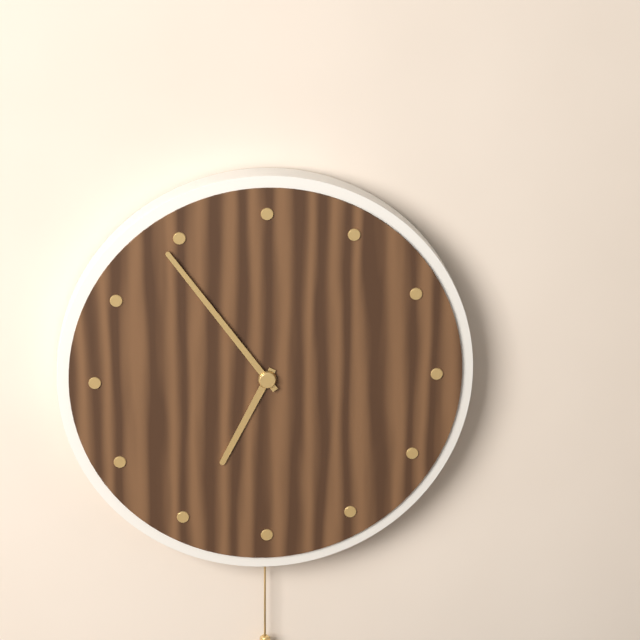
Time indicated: 6:54
